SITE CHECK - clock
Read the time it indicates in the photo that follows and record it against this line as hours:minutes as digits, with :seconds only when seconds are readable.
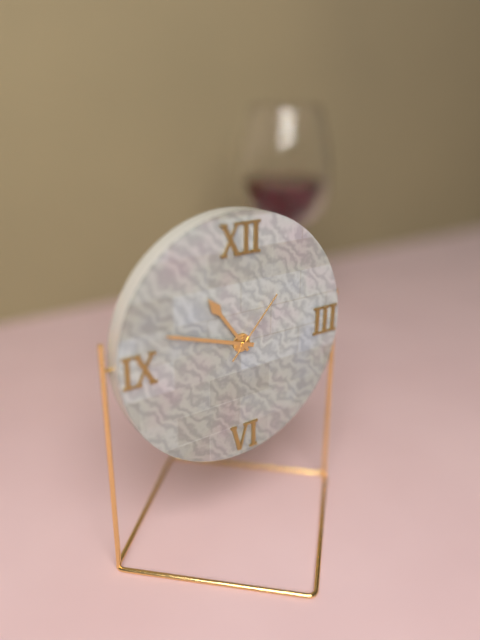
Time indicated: 10:48:07
